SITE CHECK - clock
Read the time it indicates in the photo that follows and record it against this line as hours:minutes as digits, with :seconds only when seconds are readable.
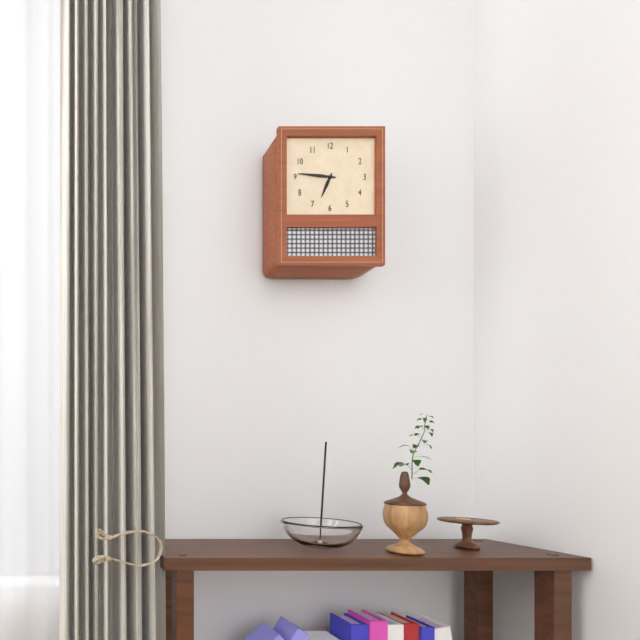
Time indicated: 6:46
